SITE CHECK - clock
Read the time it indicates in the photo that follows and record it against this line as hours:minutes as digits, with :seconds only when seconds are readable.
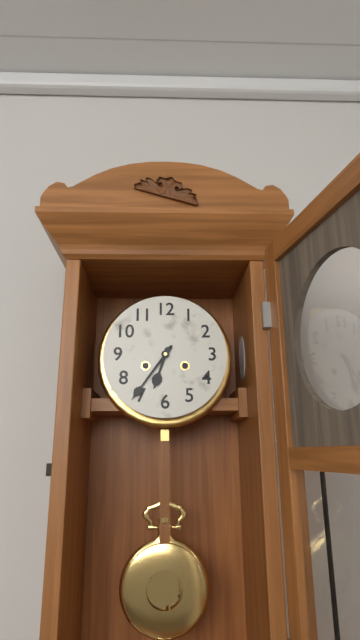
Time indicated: 6:36
